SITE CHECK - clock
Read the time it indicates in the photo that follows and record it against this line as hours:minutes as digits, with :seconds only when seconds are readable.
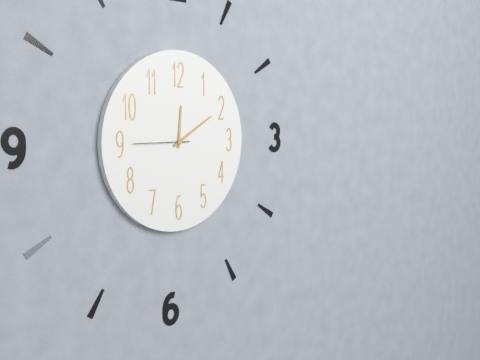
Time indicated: 12:10:45
